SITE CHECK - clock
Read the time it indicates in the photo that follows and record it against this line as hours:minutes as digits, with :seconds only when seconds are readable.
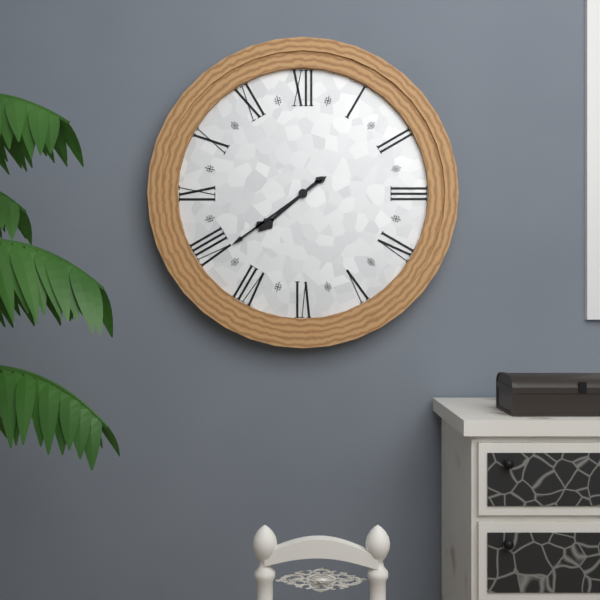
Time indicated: 7:39
